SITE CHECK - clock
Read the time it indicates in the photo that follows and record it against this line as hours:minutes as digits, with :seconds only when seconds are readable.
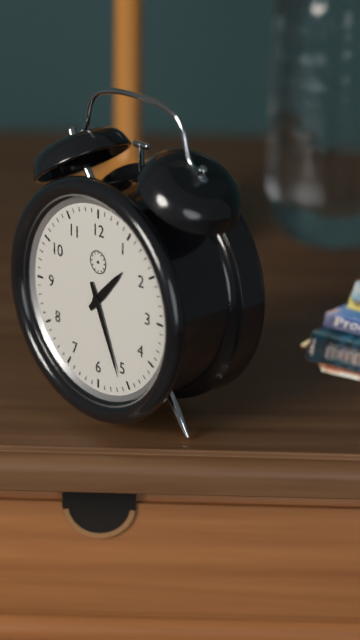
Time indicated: 1:26
